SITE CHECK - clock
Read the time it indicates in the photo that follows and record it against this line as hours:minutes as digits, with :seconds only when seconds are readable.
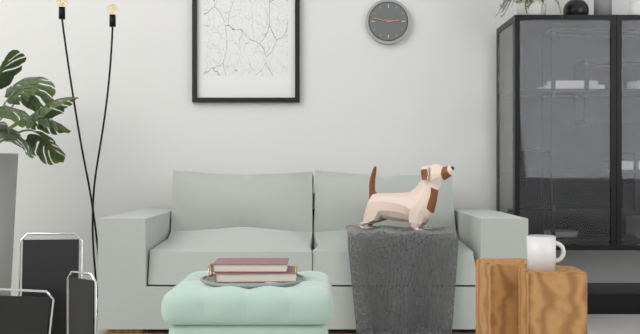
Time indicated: 2:47
